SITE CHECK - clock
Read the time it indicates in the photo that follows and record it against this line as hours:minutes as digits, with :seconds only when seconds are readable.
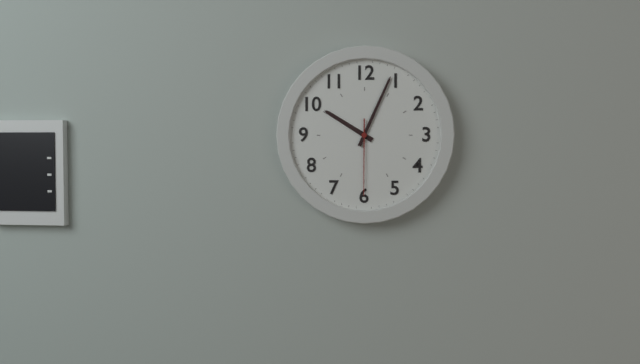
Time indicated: 10:04:30
